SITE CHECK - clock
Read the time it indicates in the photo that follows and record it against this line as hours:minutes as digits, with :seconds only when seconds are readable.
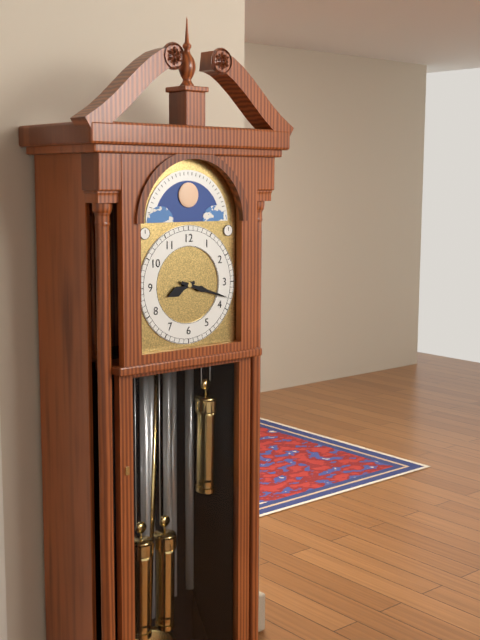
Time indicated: 8:18
